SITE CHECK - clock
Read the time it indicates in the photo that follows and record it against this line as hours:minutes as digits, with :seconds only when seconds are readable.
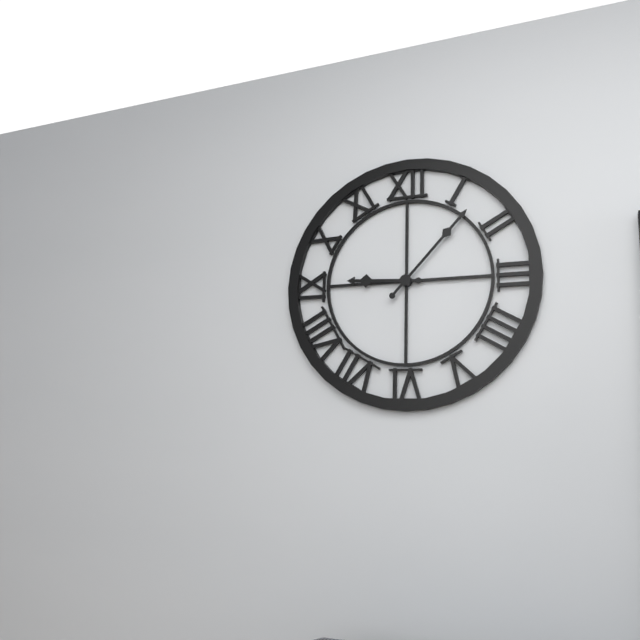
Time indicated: 9:07
